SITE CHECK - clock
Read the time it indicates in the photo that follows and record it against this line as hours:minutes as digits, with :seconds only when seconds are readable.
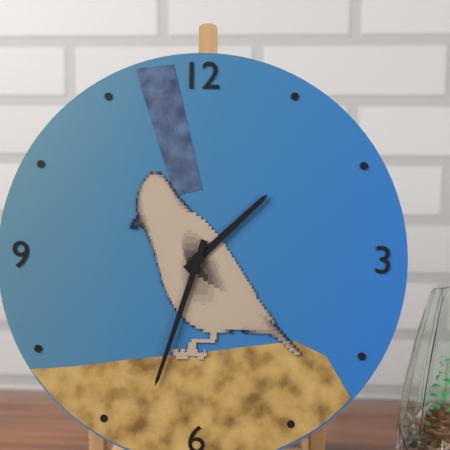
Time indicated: 1:33
